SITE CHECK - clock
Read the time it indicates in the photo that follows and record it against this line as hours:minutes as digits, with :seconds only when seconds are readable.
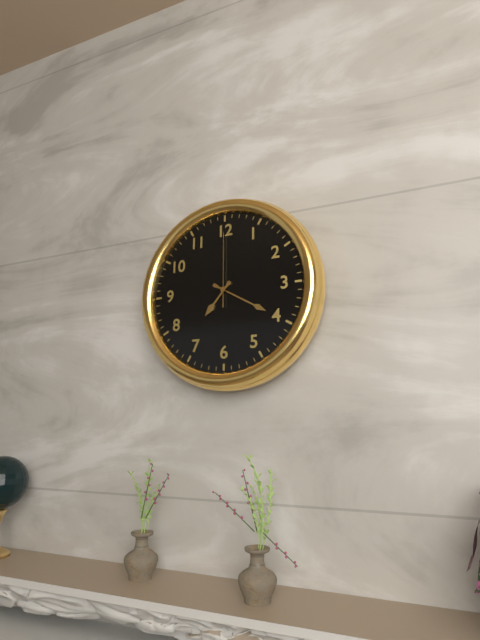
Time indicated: 7:20:00
